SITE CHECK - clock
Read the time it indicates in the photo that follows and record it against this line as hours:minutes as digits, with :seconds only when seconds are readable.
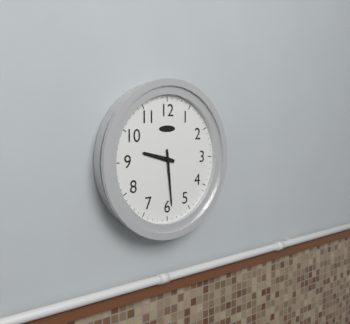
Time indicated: 9:29
